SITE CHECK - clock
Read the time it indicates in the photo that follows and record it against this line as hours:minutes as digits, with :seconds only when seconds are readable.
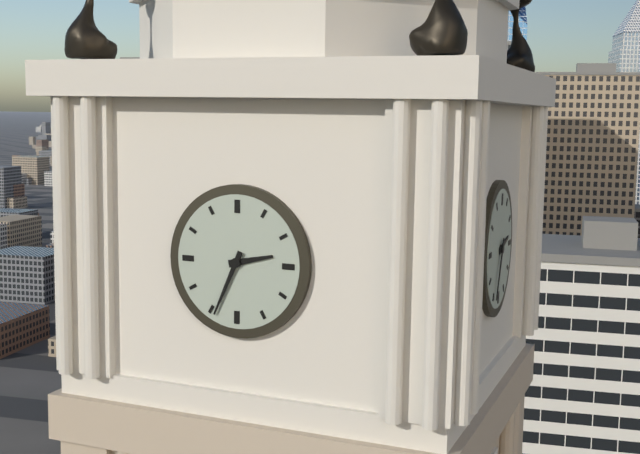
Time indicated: 2:34
